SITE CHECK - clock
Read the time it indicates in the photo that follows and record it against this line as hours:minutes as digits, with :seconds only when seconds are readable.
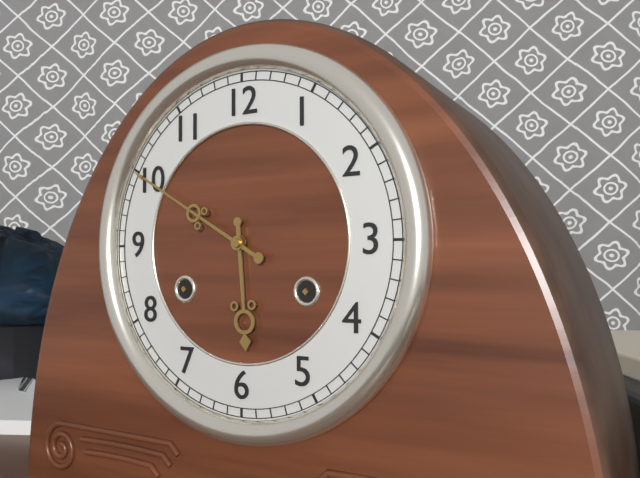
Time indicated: 5:50
